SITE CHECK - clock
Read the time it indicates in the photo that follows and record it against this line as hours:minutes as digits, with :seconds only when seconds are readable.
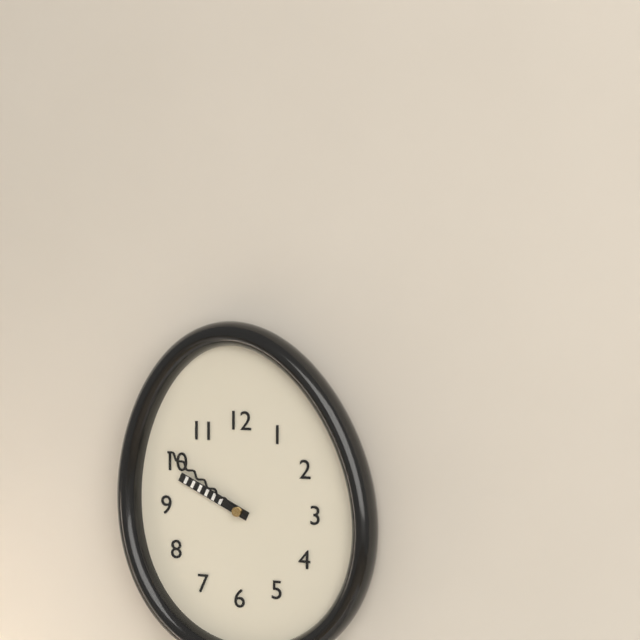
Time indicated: 9:51
